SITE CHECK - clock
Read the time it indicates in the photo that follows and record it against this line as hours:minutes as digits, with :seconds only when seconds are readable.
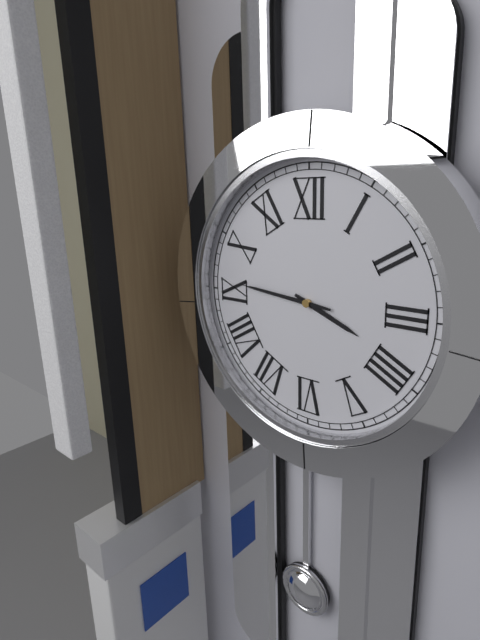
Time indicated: 3:46
